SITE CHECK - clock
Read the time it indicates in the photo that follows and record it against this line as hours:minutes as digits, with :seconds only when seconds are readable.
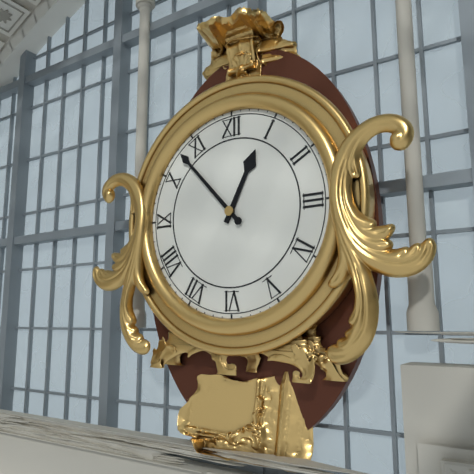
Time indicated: 12:53
